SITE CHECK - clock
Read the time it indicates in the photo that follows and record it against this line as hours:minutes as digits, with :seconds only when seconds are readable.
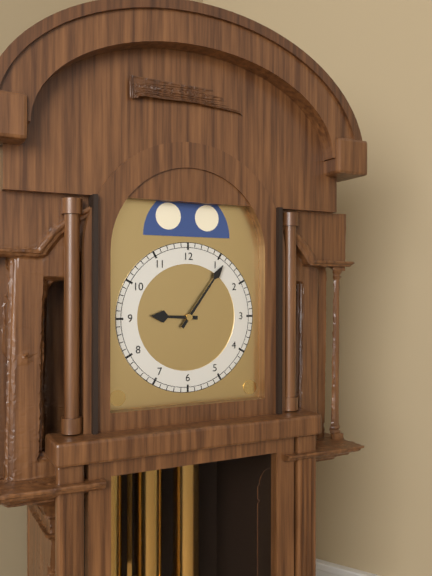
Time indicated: 9:06
